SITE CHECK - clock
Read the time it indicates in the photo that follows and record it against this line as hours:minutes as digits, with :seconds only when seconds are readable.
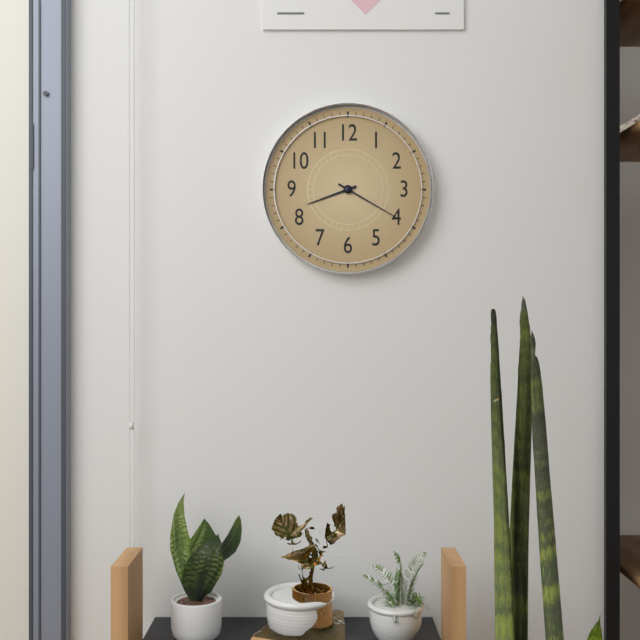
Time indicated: 8:20
